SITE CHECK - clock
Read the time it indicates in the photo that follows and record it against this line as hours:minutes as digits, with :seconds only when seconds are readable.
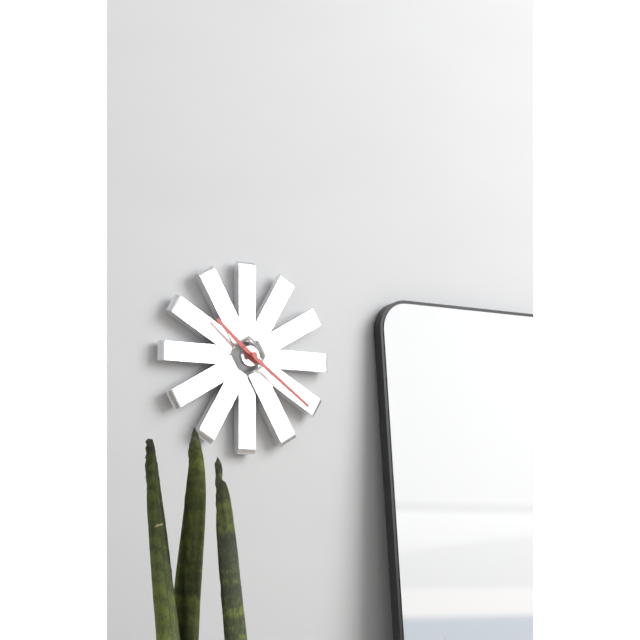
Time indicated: 10:21
